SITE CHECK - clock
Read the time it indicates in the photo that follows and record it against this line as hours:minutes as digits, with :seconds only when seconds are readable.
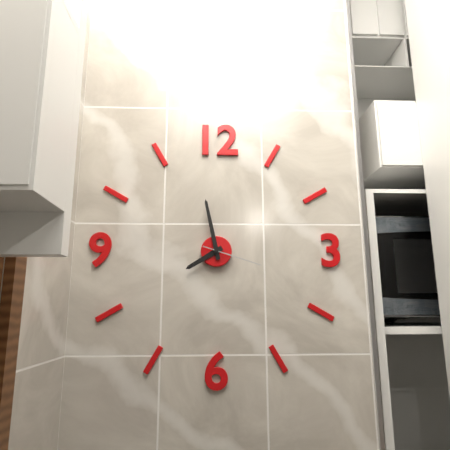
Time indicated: 7:58:18
